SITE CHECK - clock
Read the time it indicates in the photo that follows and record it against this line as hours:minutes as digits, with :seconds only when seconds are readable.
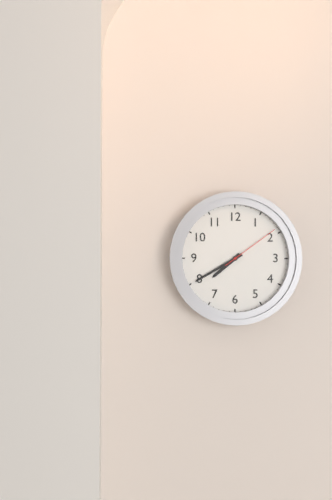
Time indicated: 7:40:09
